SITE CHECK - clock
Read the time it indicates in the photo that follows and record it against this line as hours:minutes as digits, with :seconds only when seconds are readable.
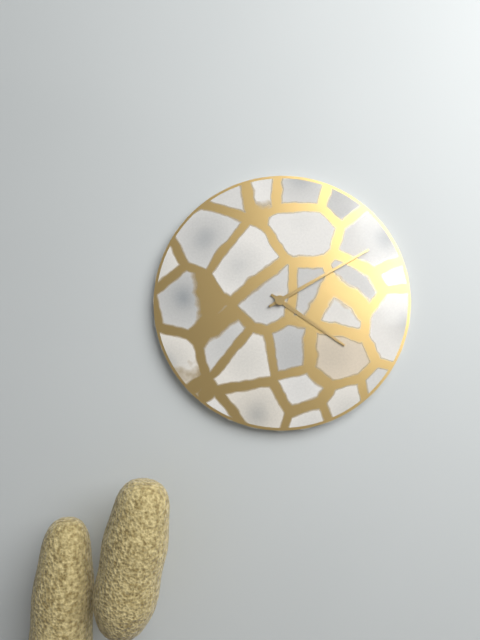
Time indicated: 4:10
